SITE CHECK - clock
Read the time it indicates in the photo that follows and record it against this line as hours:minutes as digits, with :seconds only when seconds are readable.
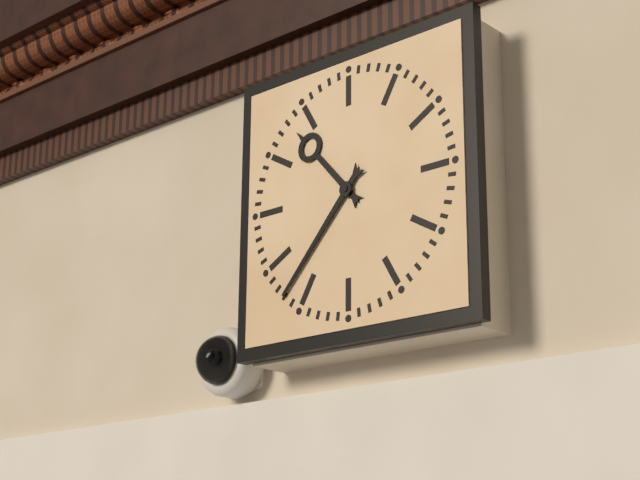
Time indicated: 10:37
